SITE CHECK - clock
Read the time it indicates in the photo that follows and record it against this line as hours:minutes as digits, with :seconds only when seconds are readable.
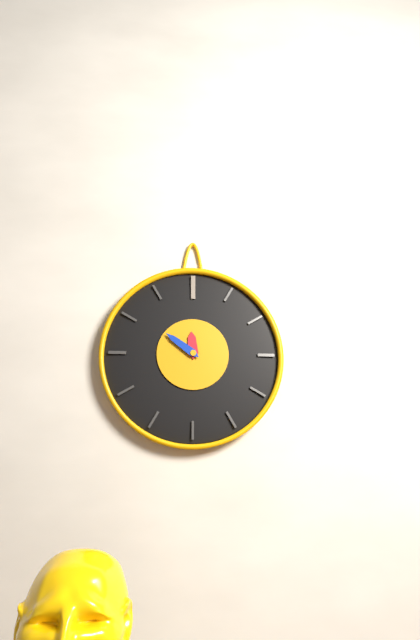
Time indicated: 11:51
